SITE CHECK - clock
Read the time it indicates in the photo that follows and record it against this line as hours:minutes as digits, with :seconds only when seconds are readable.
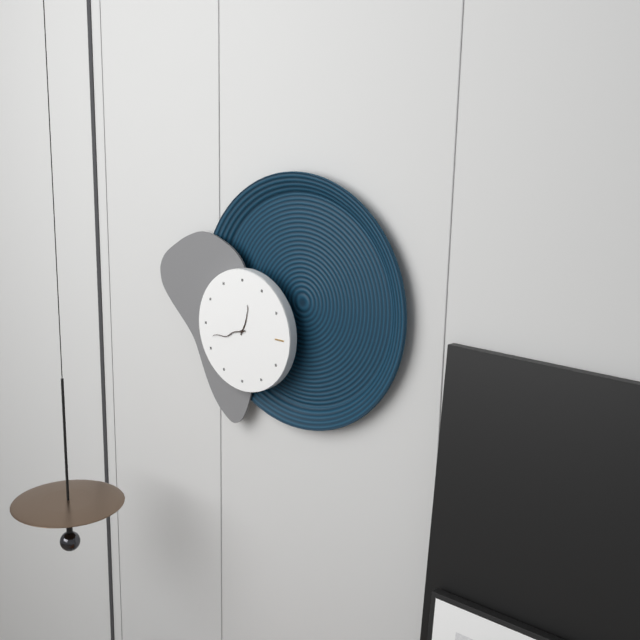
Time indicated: 12:42
